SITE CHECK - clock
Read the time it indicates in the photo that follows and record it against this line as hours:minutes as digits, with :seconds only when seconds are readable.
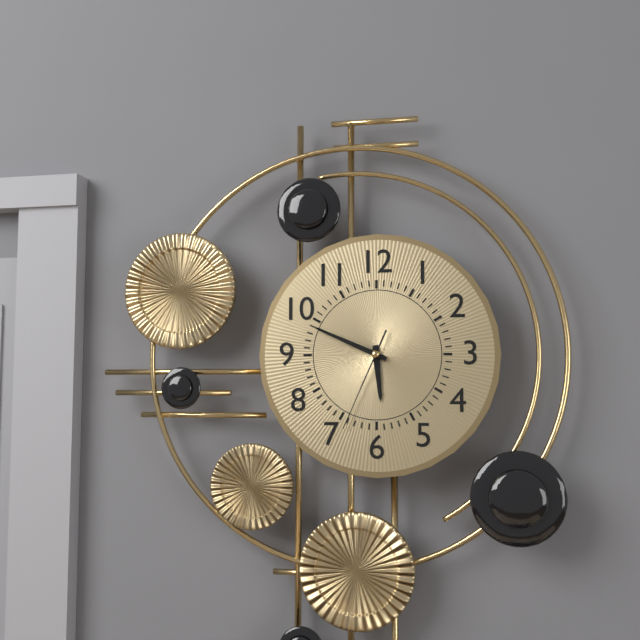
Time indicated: 5:49:34
